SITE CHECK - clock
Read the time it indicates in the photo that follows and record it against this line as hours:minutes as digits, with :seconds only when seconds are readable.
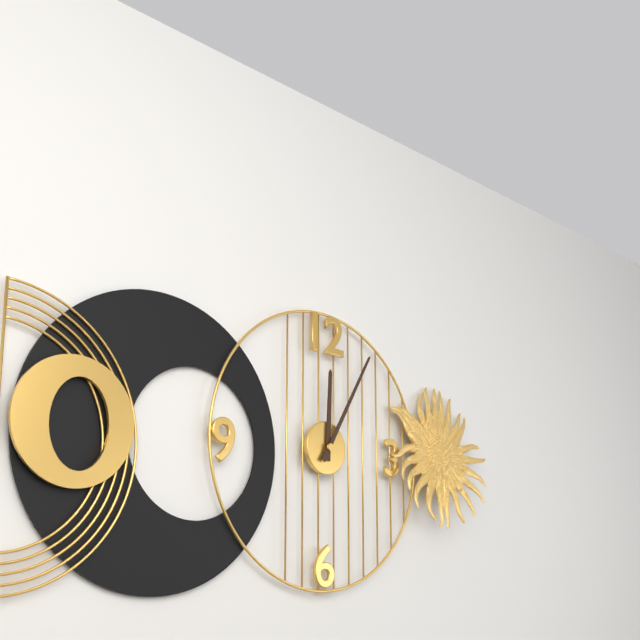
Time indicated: 12:05
